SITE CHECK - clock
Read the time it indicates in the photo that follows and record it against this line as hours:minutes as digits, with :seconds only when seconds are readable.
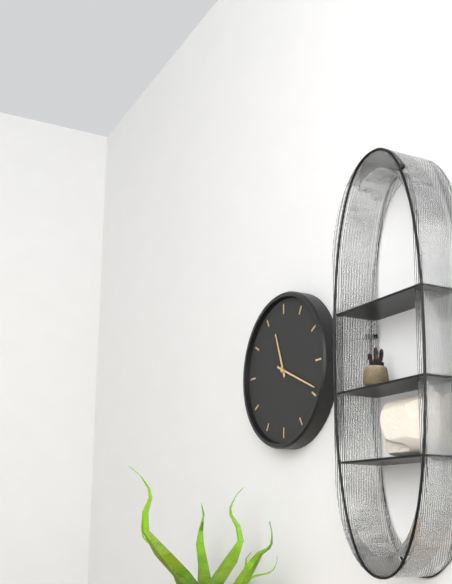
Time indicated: 11:19
